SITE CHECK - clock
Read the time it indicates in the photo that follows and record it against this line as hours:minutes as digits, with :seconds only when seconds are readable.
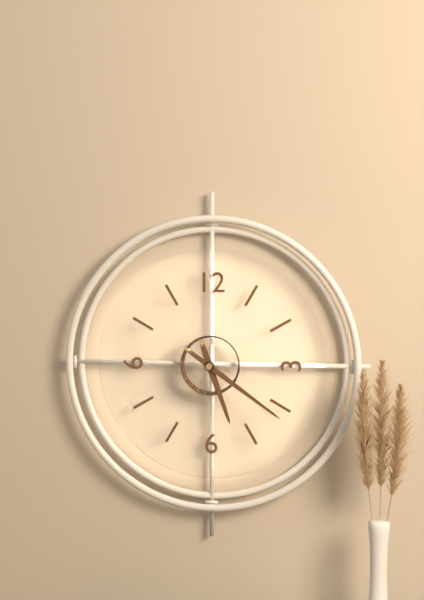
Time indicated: 5:21
